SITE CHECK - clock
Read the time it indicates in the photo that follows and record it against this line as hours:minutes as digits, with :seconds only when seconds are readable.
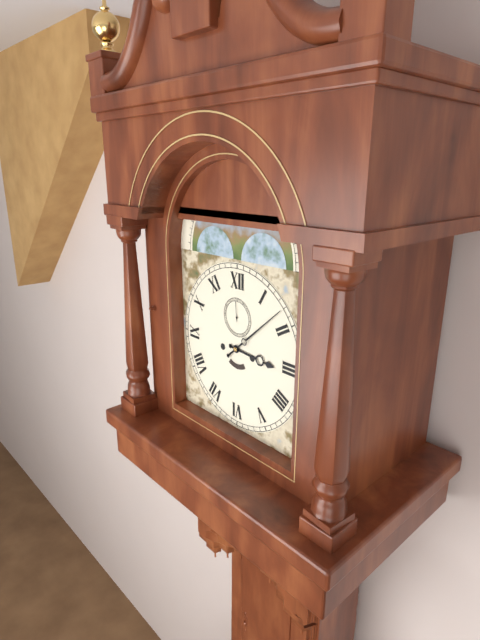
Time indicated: 3:08
